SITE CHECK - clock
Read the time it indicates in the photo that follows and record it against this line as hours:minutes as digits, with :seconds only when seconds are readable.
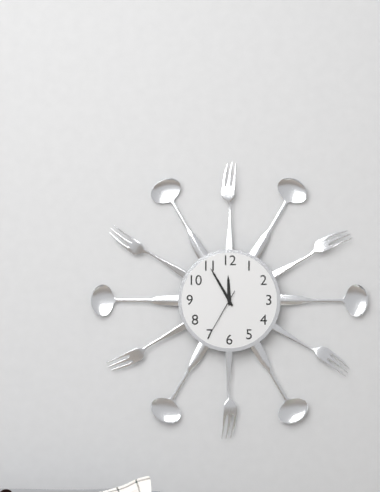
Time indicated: 11:55:35
